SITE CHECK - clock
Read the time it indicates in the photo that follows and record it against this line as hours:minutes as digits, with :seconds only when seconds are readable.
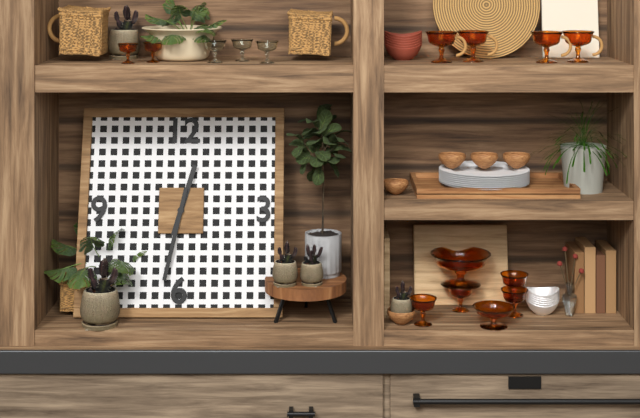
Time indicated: 12:32
